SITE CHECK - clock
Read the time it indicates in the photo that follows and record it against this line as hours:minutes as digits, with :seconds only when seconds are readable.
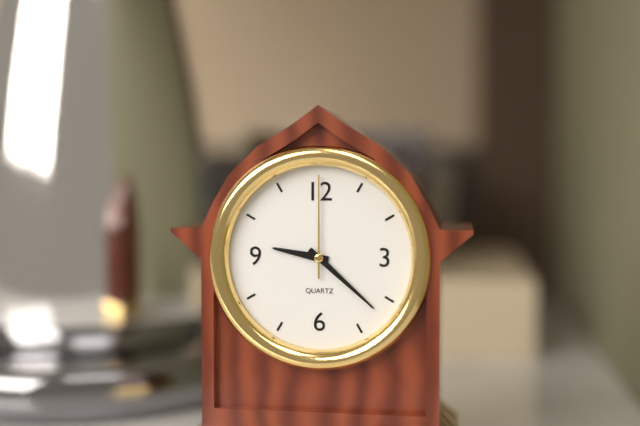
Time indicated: 9:22:00
